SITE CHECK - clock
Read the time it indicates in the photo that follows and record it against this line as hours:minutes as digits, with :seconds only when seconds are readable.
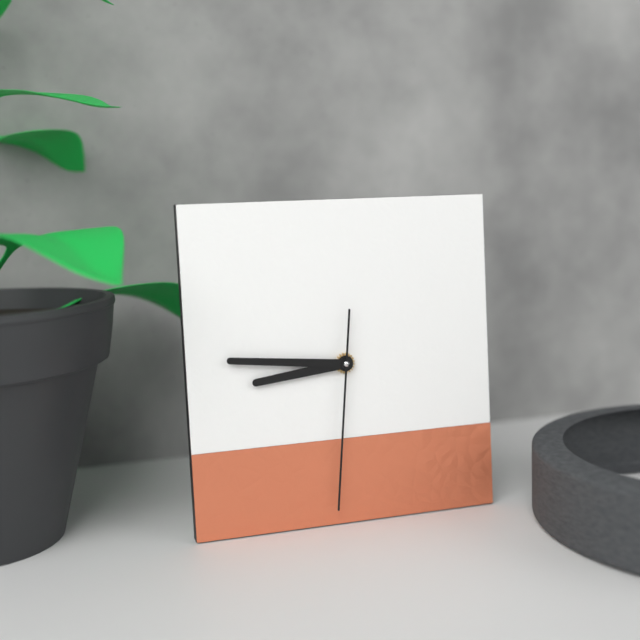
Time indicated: 8:46:31
